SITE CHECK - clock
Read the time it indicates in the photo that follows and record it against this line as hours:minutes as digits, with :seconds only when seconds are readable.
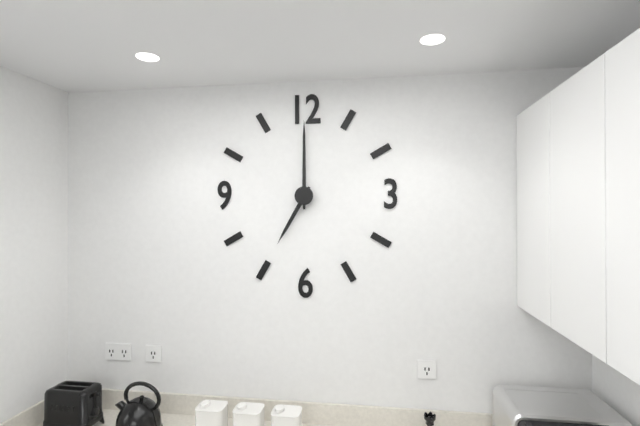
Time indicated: 7:00
